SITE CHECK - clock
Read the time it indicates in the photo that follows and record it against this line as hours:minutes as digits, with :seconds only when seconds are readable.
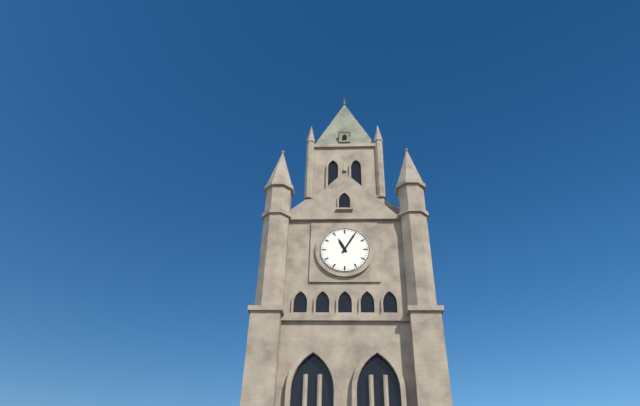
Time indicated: 11:05
